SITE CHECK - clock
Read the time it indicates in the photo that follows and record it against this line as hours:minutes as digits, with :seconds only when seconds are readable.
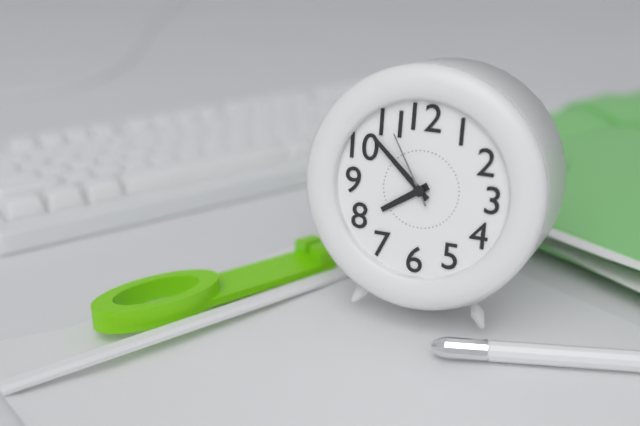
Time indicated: 7:52:55
